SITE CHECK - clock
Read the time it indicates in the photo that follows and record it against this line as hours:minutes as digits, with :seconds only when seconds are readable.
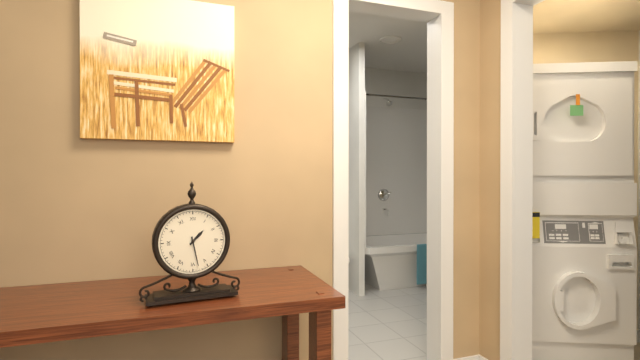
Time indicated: 1:28
